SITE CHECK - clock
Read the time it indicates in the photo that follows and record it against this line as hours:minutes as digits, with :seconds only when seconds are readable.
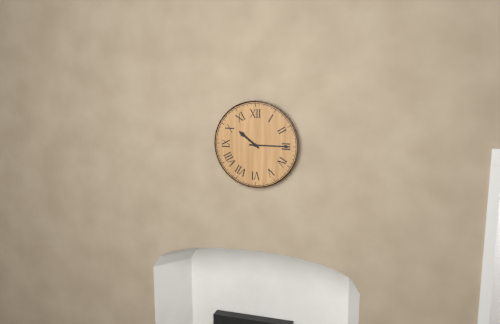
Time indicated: 10:15
